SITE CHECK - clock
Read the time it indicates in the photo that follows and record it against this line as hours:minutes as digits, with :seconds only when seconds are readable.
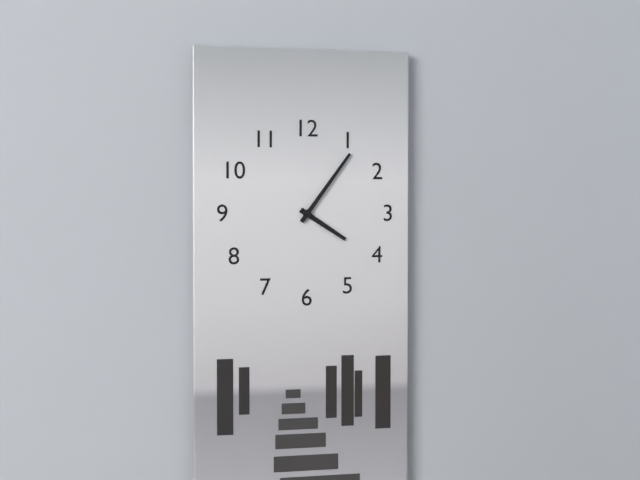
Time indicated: 4:06
